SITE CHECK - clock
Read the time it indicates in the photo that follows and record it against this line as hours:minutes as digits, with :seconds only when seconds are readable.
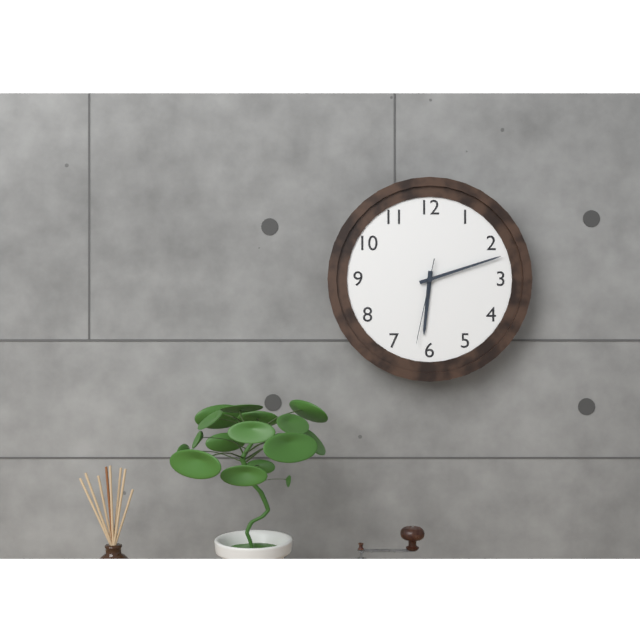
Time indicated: 6:12:32
